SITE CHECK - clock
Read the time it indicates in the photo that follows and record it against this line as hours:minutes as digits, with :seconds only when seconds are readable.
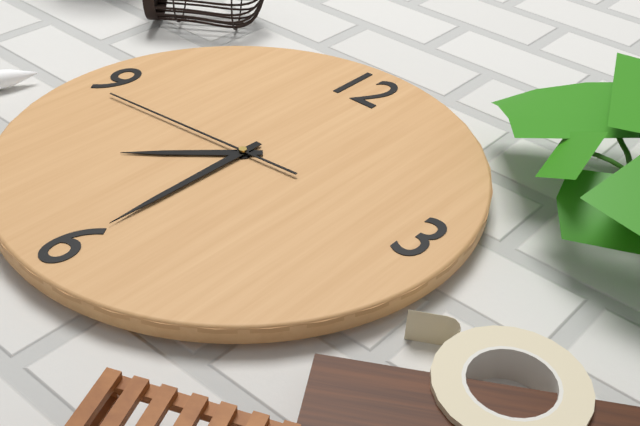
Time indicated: 7:30:44
